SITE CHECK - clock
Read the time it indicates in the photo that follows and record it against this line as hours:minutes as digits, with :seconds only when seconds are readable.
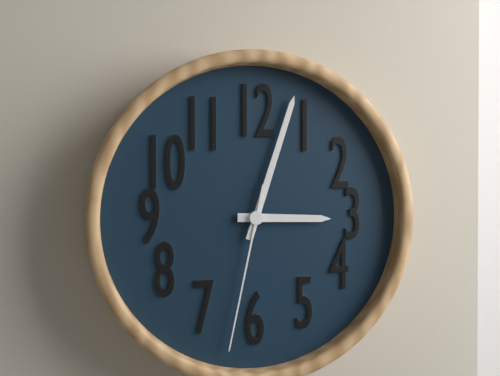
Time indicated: 3:03:32
